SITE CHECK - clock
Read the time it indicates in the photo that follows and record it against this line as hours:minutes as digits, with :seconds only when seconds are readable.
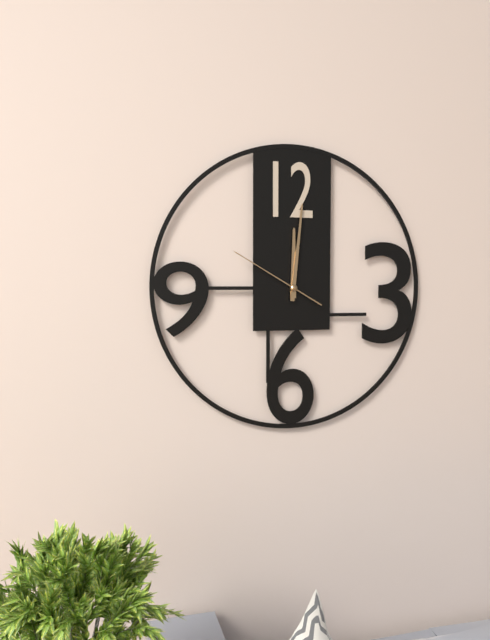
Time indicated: 12:01:50
